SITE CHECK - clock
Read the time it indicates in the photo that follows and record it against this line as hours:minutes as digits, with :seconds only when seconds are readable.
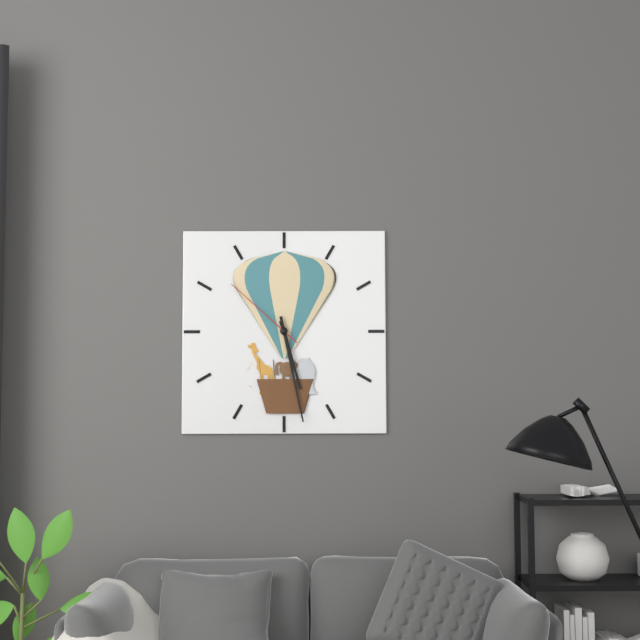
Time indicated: 5:28:52
